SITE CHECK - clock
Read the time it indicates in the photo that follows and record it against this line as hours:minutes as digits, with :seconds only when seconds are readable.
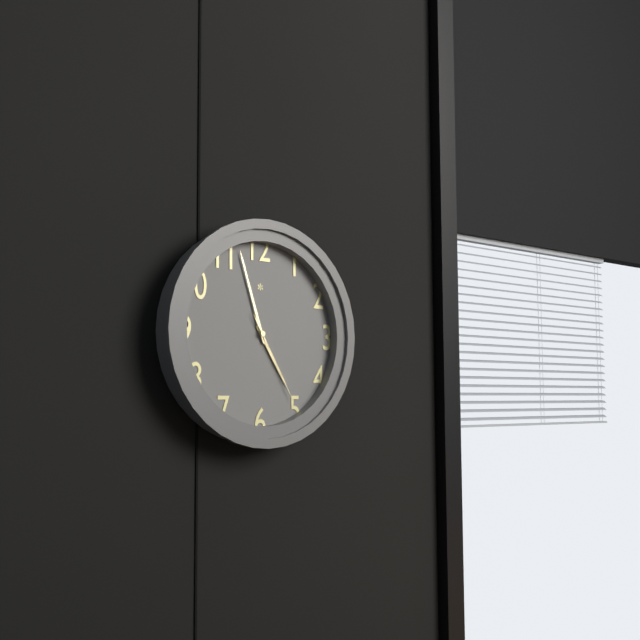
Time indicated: 4:57:25
